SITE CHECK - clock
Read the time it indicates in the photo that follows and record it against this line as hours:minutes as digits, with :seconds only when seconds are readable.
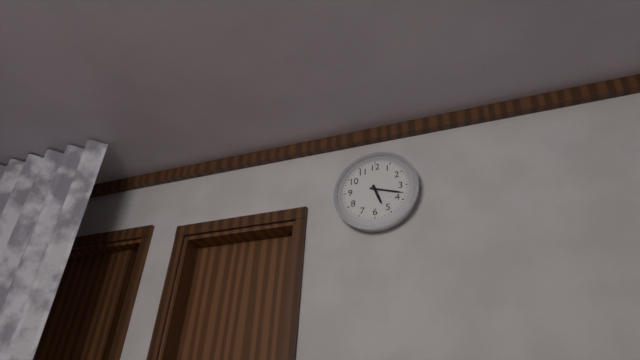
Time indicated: 5:18
